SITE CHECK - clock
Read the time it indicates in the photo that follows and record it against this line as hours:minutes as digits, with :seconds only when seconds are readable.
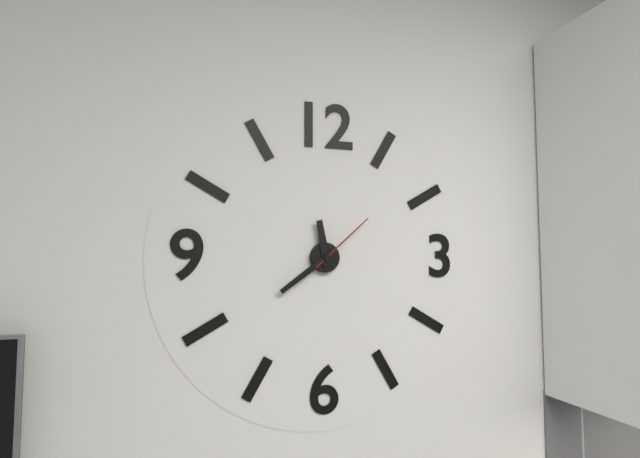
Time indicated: 11:39:08
